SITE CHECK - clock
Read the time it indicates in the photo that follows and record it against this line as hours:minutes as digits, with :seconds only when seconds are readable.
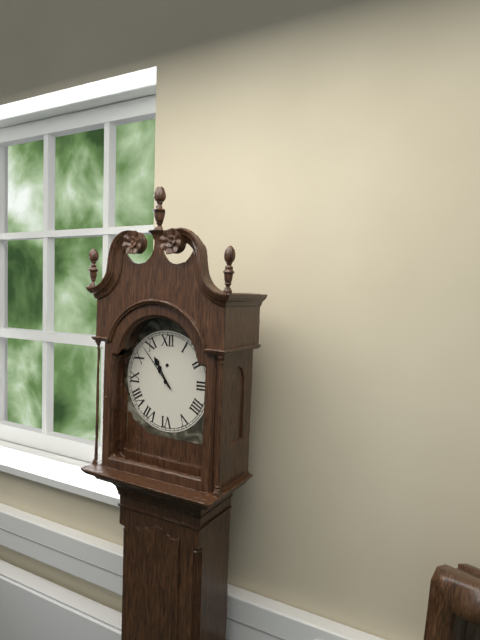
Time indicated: 10:53
